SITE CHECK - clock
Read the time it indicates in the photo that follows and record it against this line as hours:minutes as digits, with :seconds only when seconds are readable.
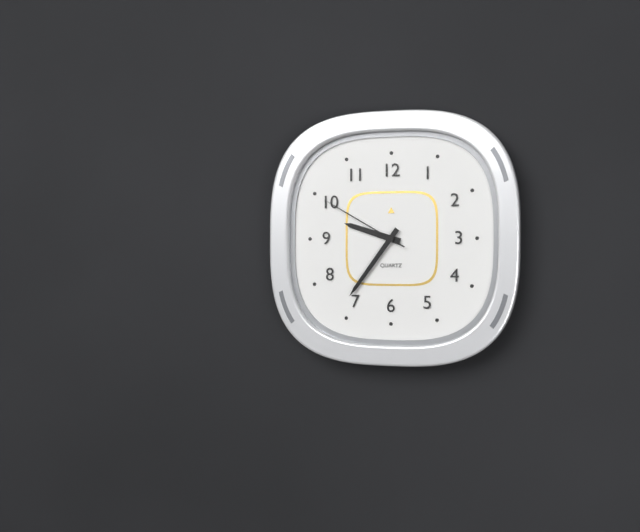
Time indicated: 9:36:50
